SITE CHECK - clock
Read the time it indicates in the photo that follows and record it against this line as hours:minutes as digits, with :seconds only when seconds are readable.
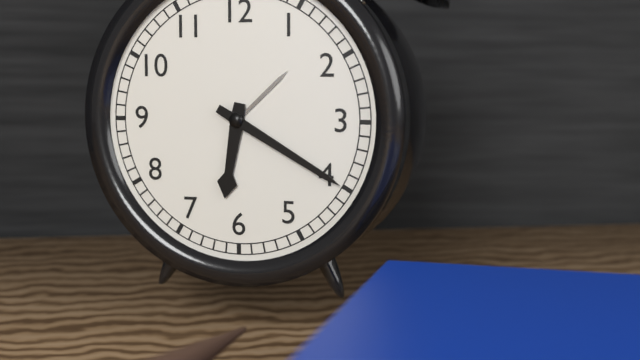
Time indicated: 6:20
